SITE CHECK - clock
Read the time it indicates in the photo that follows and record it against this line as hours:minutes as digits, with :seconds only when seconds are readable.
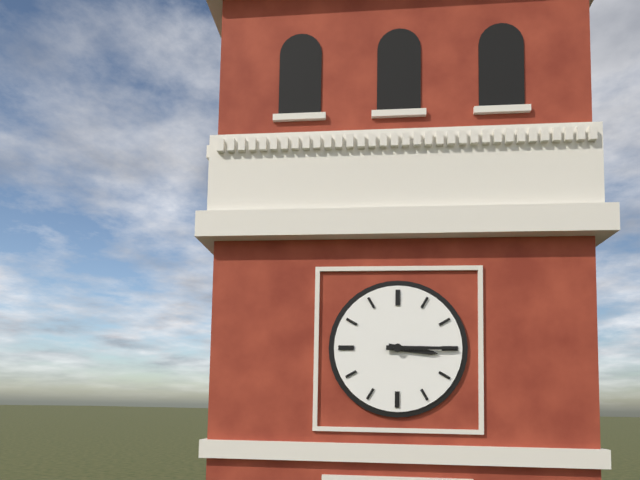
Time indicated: 3:15
